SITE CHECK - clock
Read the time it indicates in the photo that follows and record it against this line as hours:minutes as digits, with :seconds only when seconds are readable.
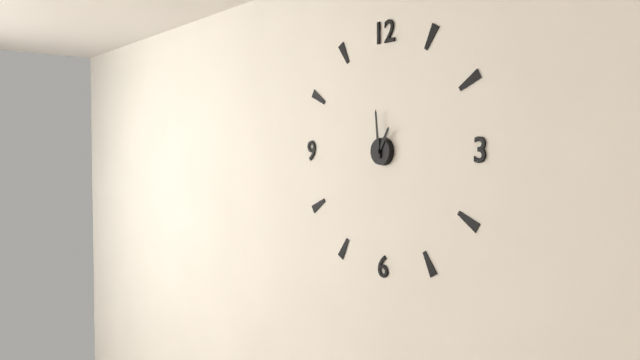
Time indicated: 12:59
